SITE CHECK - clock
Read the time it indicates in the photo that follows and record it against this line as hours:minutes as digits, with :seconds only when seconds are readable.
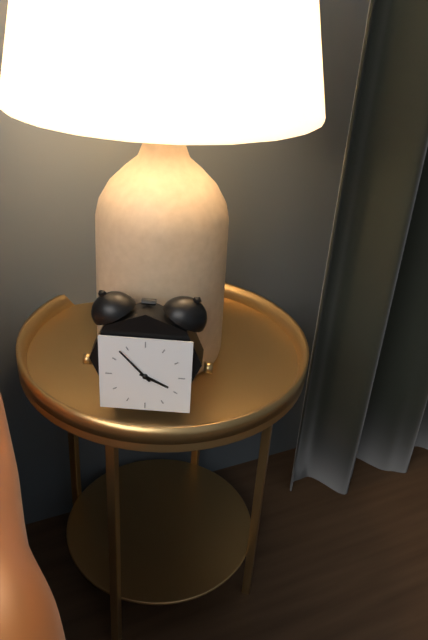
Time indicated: 3:53
